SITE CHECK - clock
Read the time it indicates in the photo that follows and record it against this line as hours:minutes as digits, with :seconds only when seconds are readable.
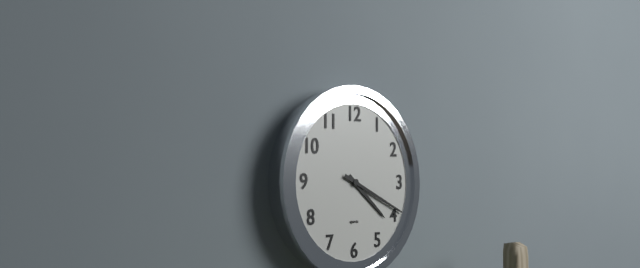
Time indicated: 4:19
